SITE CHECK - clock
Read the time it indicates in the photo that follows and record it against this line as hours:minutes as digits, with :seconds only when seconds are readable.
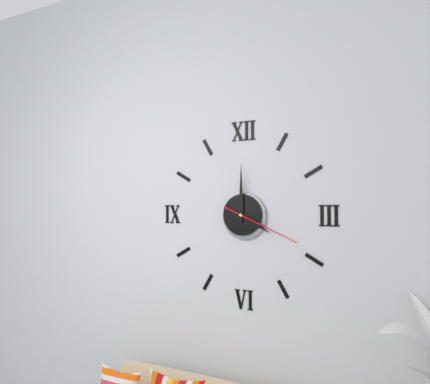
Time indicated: 4:00:19
